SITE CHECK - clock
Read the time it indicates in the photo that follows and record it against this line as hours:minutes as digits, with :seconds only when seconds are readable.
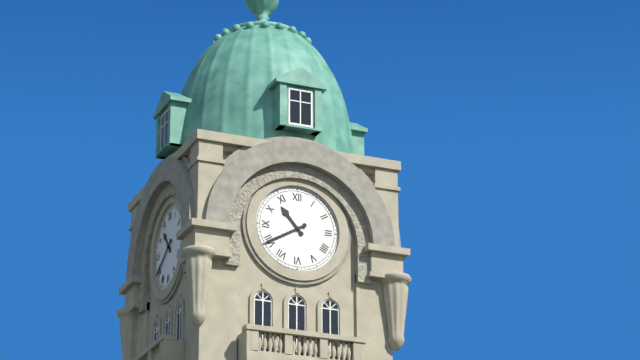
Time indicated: 10:40
